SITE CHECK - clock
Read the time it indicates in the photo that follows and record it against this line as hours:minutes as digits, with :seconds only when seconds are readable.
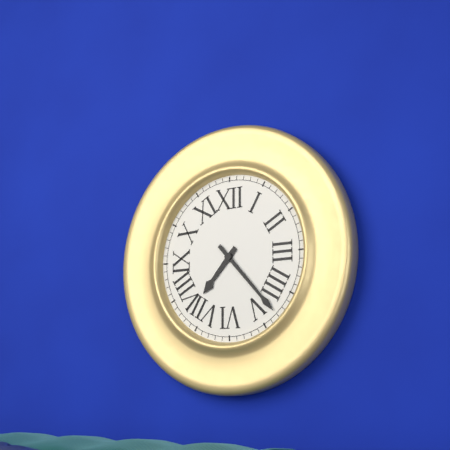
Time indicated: 7:23
